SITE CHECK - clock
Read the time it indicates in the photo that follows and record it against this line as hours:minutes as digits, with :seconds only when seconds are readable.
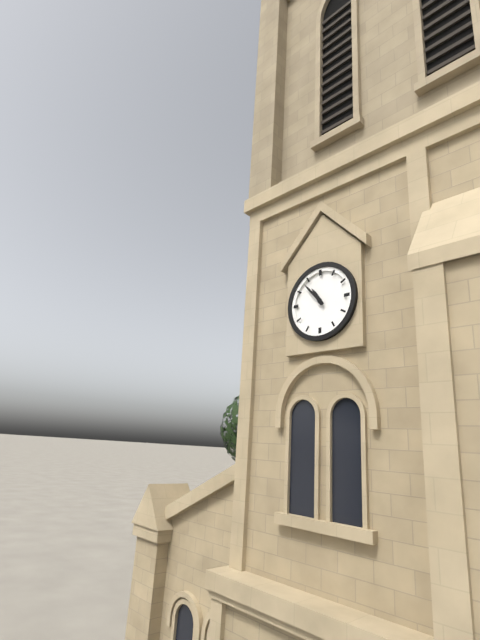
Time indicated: 10:53
